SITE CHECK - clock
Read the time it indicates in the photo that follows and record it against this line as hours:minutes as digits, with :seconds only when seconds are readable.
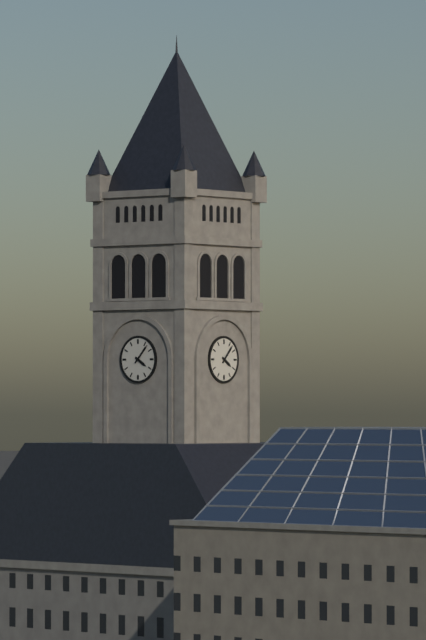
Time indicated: 4:07
